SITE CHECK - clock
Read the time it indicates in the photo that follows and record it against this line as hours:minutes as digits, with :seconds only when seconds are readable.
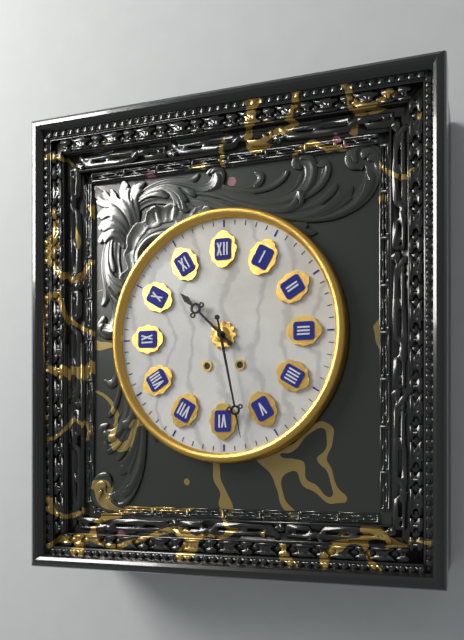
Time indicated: 10:28
